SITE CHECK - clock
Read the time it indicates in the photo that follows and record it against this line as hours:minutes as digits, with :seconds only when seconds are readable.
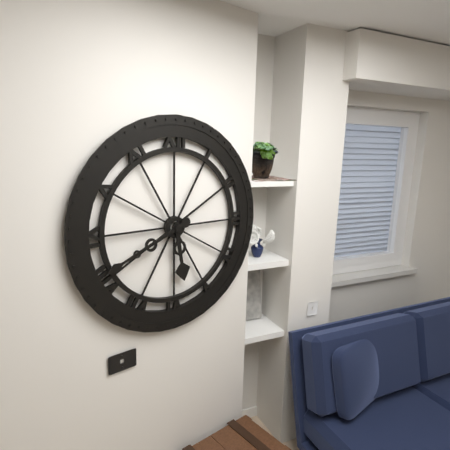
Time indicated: 5:41
